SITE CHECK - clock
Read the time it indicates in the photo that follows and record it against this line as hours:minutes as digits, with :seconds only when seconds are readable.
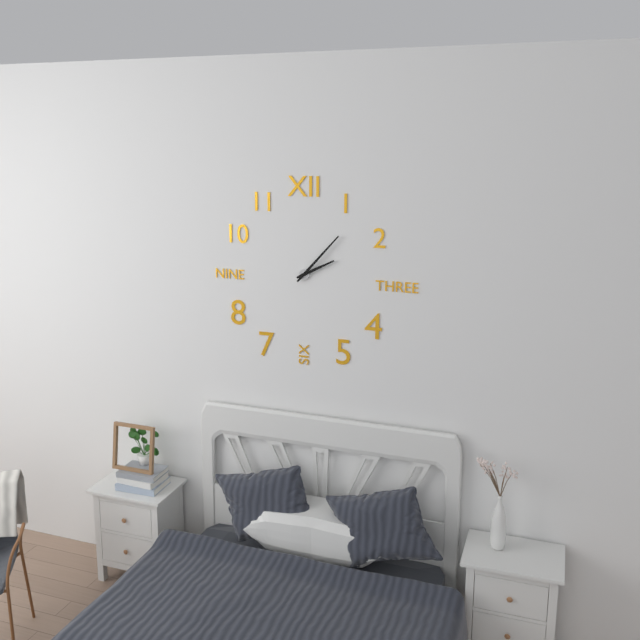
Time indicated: 2:07
